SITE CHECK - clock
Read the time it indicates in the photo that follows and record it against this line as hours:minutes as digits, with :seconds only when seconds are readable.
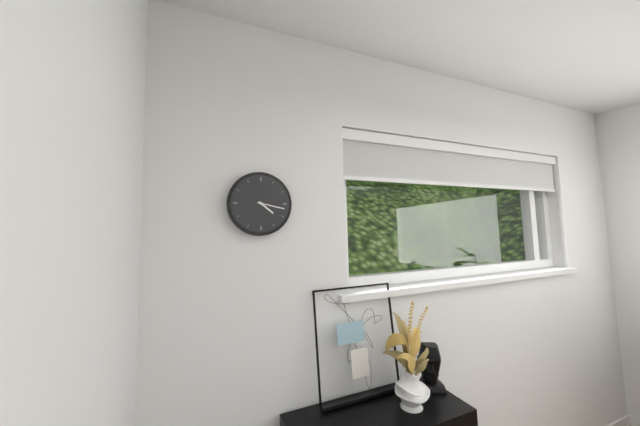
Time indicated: 4:17
